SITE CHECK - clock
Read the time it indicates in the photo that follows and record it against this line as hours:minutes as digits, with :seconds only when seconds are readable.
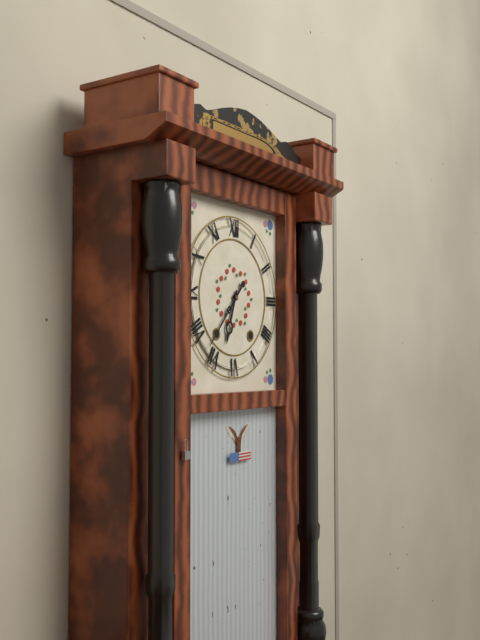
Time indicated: 6:37
